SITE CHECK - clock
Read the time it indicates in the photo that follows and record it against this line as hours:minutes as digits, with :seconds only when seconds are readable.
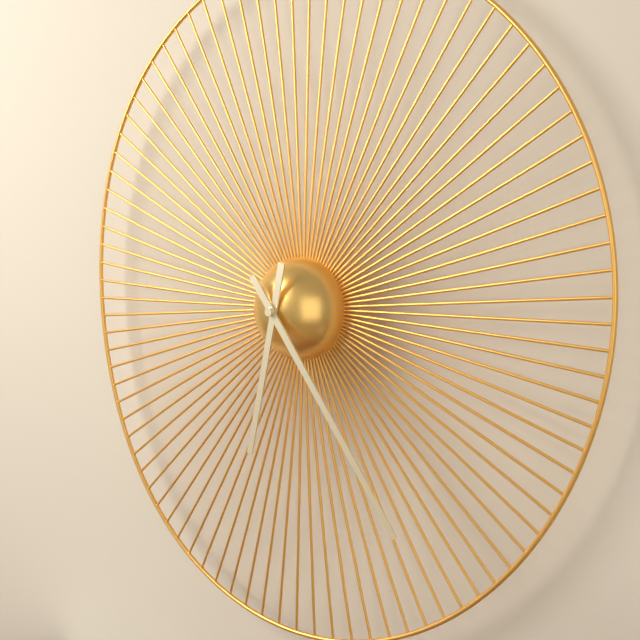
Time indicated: 6:24
